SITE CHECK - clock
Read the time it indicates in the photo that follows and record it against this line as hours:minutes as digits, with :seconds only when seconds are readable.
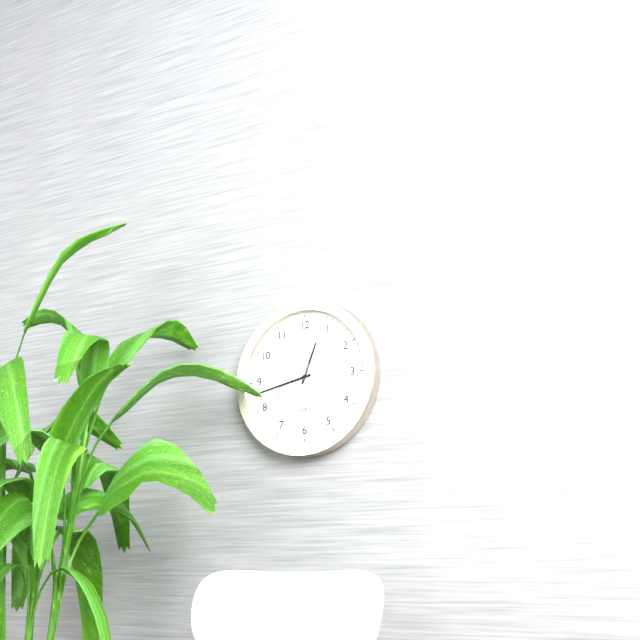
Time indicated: 12:43:34
